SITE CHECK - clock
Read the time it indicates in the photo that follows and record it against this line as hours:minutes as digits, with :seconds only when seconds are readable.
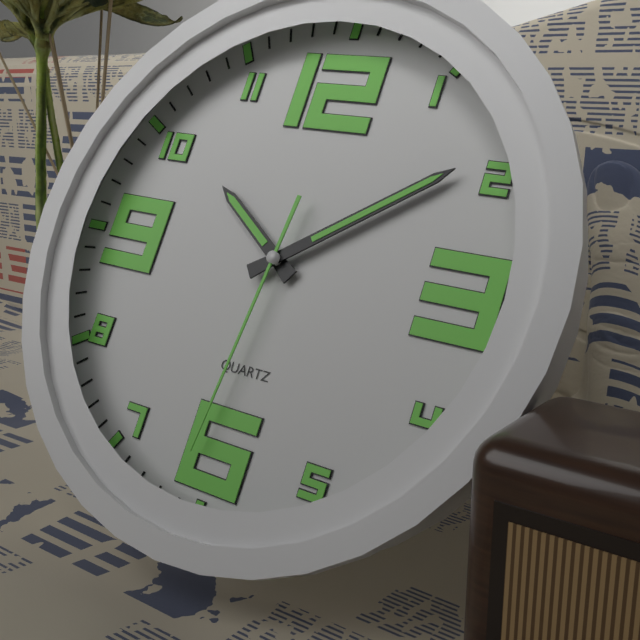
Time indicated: 10:09:31
